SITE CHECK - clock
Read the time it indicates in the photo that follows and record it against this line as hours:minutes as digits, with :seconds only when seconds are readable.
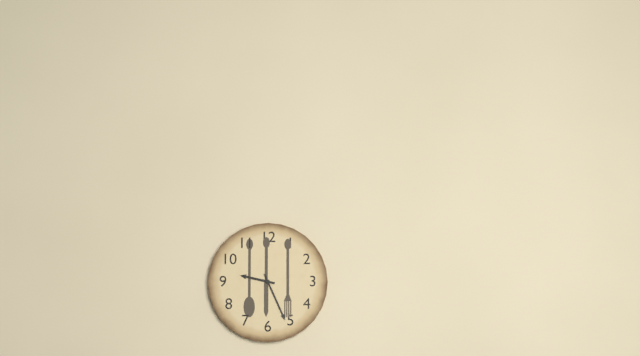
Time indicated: 9:26
